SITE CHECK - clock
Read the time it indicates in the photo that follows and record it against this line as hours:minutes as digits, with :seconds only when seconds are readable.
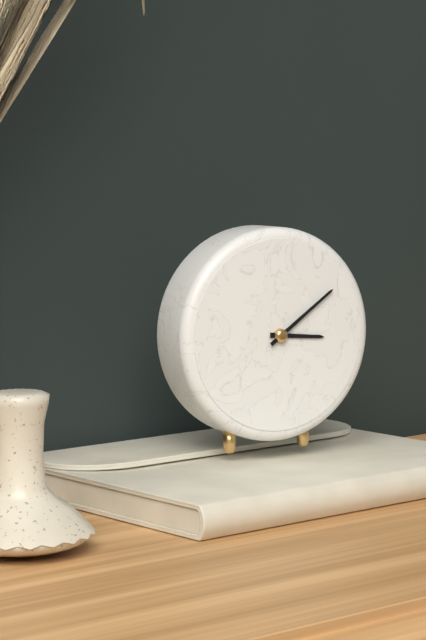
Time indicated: 3:09
